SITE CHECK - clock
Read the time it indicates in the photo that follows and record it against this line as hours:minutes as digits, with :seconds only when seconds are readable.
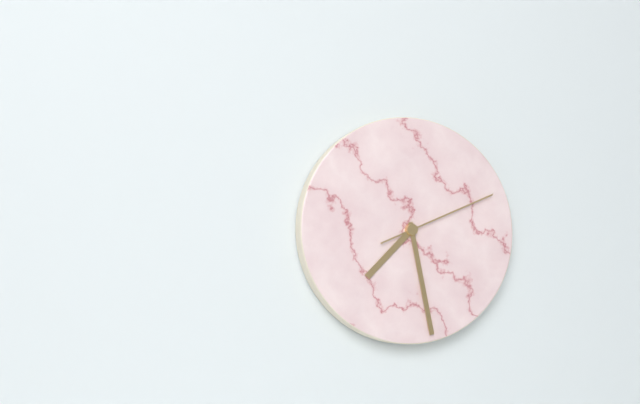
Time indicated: 7:28:11
